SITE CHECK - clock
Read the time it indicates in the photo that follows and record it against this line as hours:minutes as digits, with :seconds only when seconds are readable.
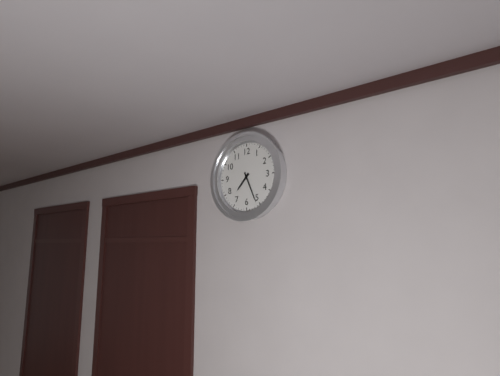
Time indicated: 7:26
